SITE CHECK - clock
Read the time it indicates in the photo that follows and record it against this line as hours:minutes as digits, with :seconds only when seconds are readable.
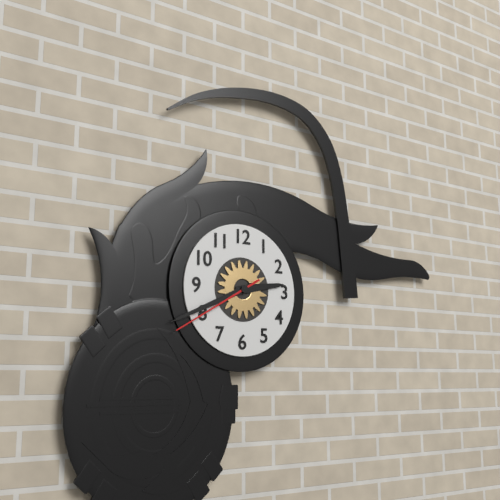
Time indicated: 2:41:40
